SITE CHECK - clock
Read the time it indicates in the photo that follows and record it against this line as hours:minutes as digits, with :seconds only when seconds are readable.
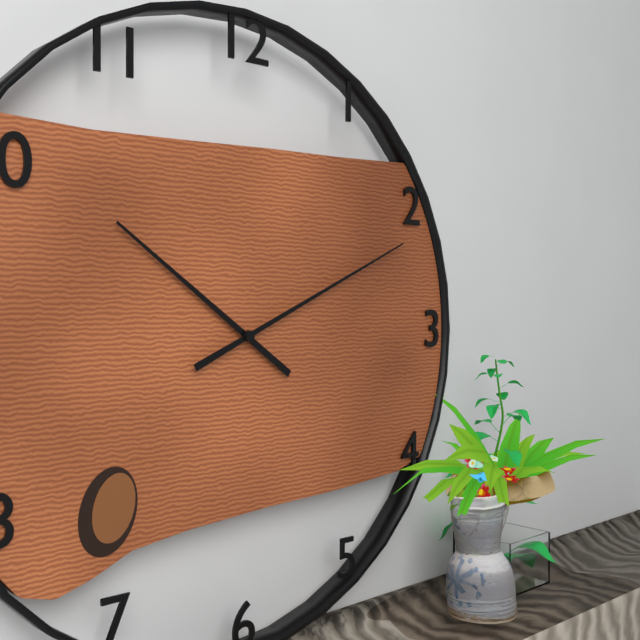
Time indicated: 10:11
